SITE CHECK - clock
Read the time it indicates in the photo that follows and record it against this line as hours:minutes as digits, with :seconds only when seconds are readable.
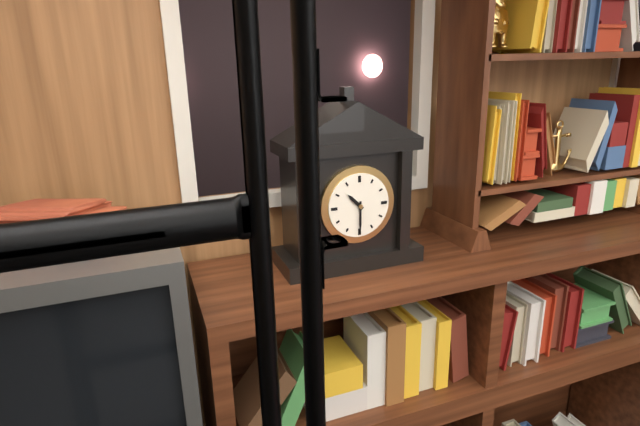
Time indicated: 10:30
